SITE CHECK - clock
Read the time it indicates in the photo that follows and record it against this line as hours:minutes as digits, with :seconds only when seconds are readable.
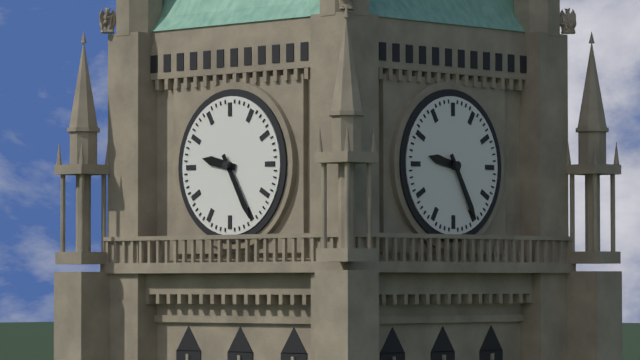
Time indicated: 9:25
